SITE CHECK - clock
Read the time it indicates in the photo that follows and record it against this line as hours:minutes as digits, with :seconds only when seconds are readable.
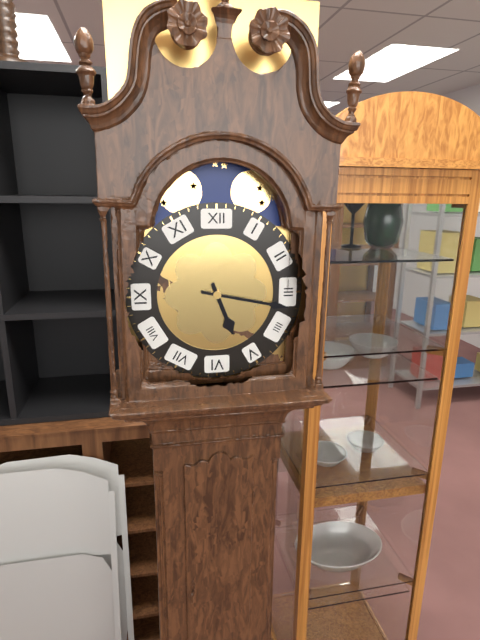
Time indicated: 5:17
